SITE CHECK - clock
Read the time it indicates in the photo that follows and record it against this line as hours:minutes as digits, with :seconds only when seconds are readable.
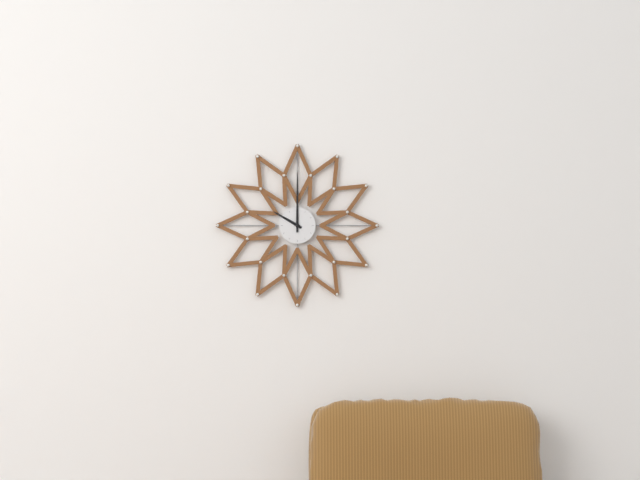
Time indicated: 10:00
